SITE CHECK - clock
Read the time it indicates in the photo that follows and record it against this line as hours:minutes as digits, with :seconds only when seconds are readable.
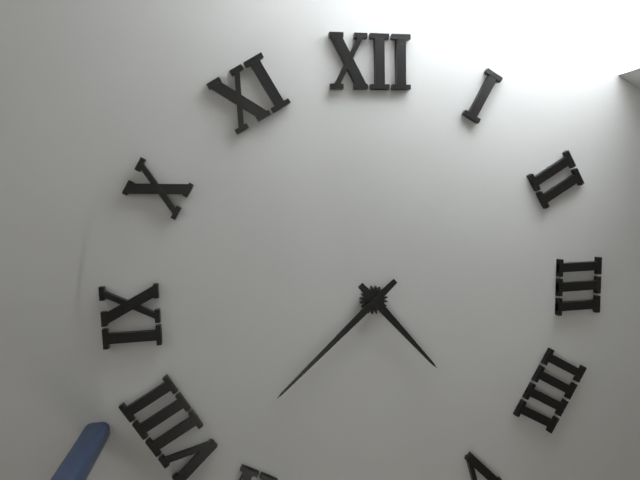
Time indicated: 4:38
